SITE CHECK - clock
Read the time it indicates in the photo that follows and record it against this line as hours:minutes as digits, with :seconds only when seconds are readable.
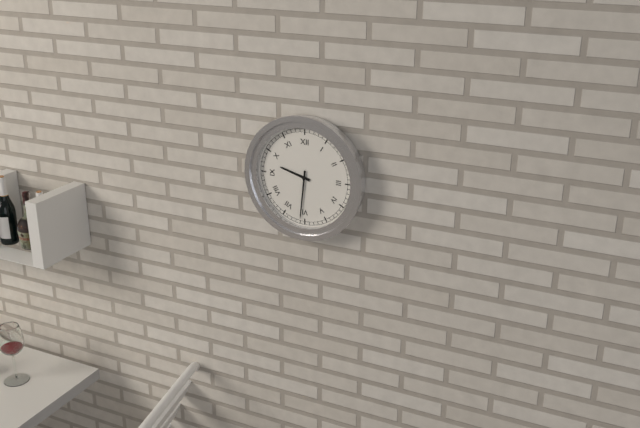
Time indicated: 9:31
